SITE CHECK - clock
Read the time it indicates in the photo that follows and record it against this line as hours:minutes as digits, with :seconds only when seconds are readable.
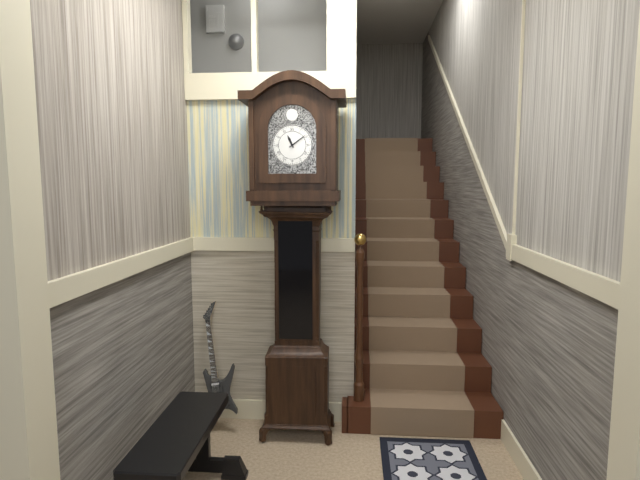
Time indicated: 11:09
